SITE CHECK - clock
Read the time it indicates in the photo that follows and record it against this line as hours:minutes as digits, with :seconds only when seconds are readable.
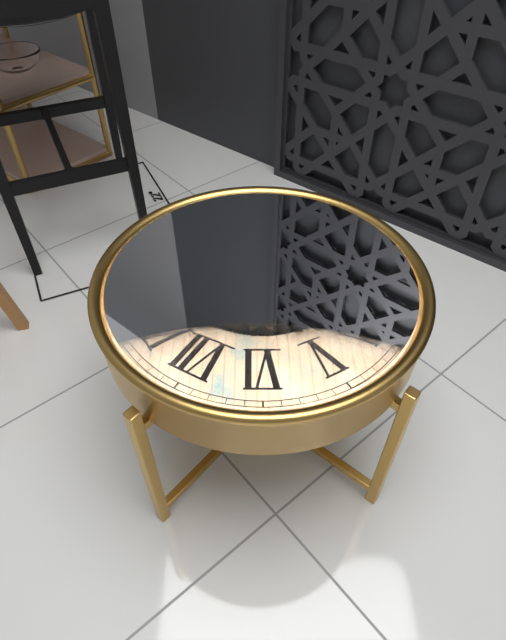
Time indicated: 6:25
